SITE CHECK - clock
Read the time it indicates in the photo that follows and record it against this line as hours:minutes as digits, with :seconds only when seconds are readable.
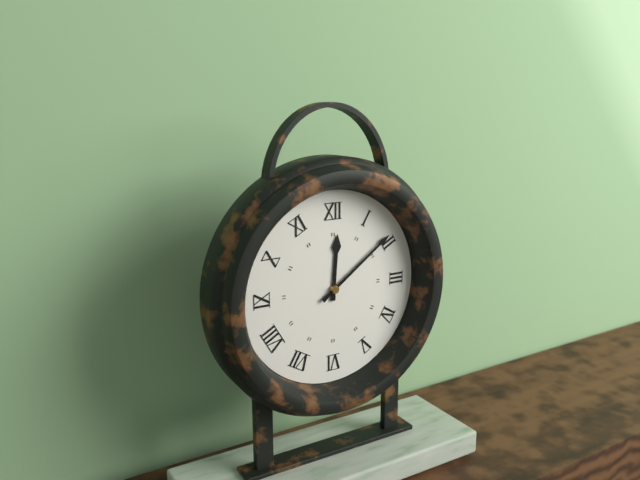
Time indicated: 12:09
